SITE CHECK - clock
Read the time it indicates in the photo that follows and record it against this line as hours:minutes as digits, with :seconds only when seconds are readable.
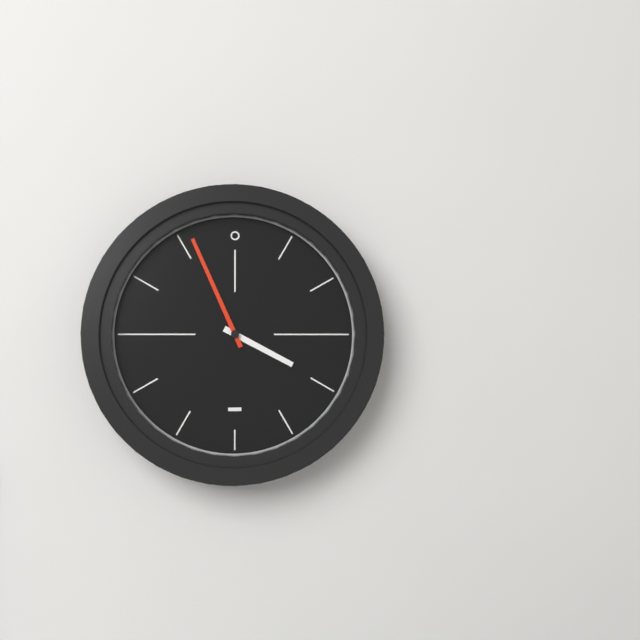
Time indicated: 3:56
